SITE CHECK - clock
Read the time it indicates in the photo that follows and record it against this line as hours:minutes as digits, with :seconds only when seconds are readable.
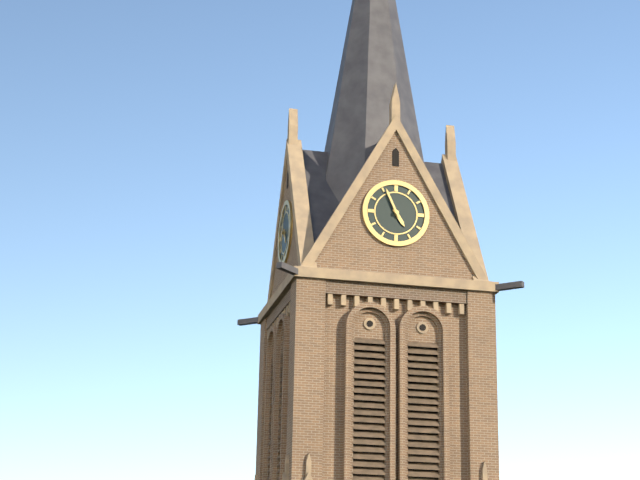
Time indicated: 4:56
